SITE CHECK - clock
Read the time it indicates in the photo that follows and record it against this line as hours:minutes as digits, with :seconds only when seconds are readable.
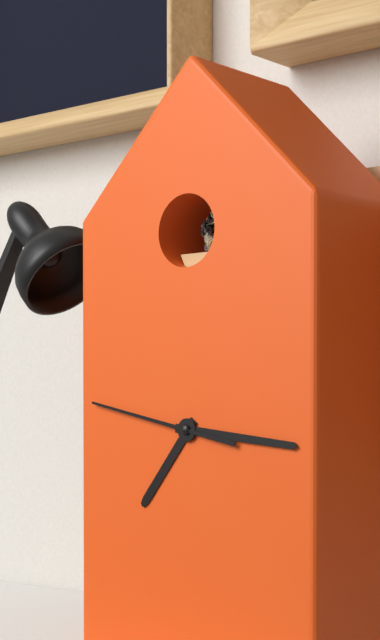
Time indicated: 7:16:47
